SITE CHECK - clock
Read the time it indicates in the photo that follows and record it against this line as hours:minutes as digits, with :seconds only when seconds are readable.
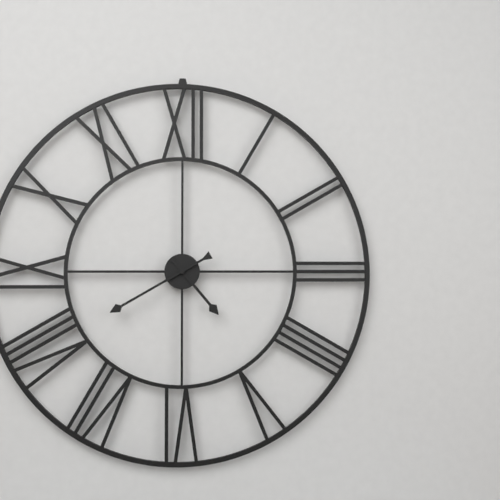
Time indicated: 4:40
